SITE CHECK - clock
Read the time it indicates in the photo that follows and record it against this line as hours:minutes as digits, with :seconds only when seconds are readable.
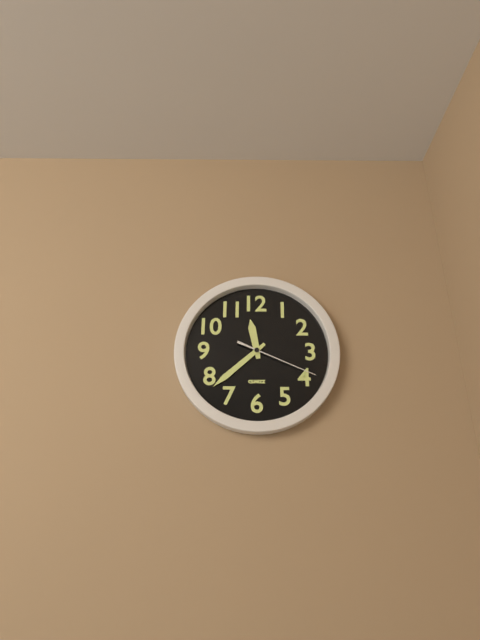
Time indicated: 11:38:19
